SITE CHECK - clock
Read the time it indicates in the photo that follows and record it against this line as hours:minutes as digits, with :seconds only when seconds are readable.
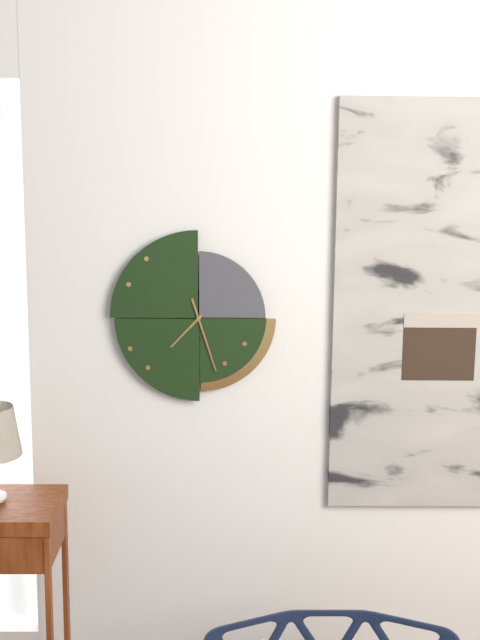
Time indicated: 7:27
